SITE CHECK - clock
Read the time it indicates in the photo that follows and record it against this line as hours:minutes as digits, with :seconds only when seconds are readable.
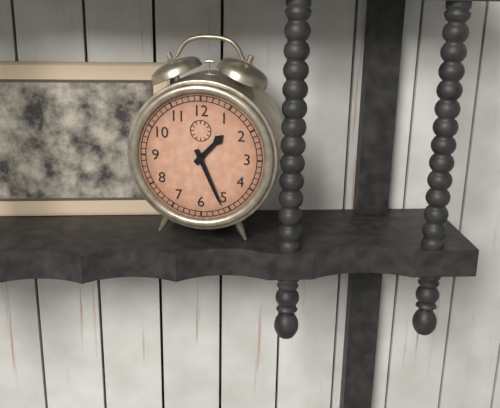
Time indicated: 1:26
